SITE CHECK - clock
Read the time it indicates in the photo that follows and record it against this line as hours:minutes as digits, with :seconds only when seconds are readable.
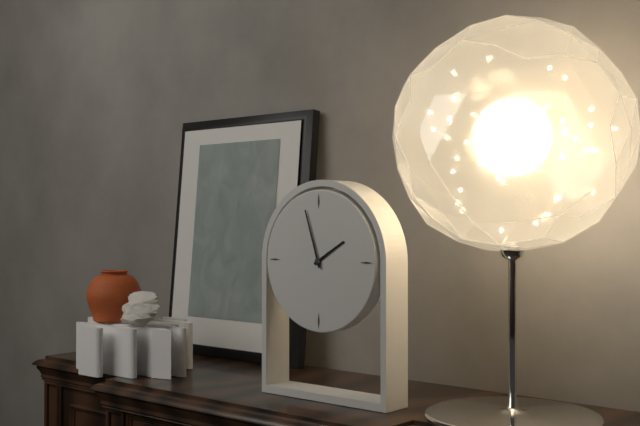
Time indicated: 1:57
